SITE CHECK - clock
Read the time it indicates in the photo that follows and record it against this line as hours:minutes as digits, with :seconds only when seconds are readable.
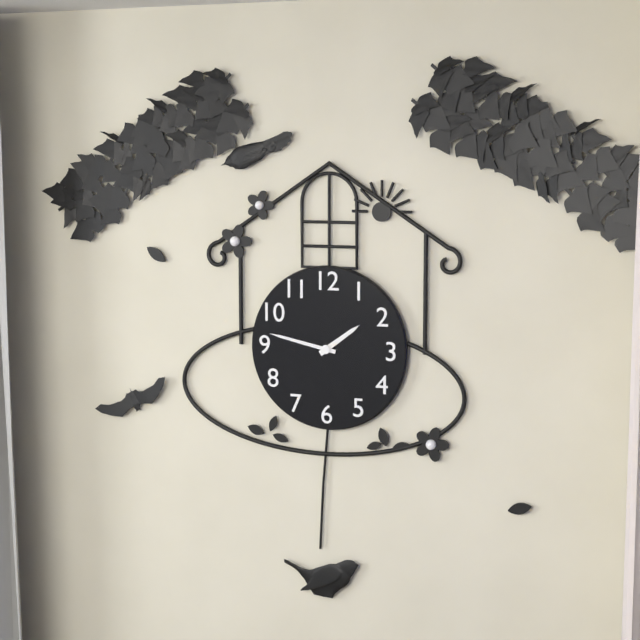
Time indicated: 1:47
